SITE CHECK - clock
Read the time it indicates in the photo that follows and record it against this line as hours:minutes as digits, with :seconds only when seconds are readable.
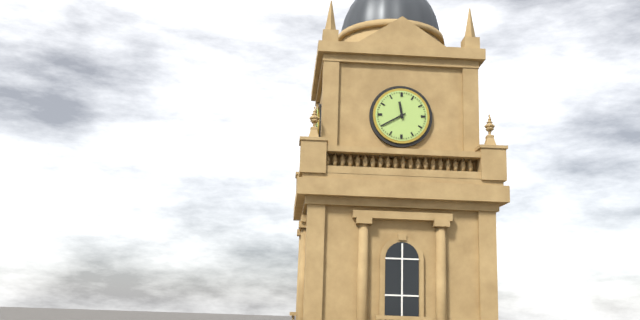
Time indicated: 11:40
